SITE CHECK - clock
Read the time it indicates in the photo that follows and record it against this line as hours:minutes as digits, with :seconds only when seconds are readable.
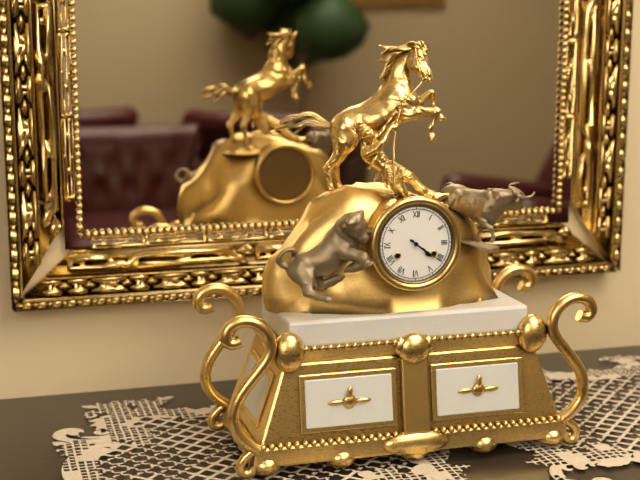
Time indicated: 4:21
